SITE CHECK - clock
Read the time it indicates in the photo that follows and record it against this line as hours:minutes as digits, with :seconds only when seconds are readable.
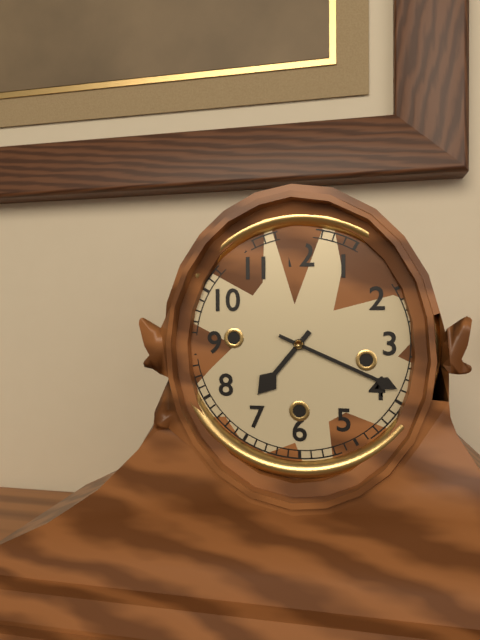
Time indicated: 7:19
